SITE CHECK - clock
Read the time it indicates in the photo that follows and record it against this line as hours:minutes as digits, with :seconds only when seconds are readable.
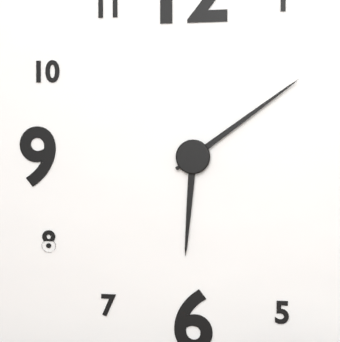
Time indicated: 6:09
